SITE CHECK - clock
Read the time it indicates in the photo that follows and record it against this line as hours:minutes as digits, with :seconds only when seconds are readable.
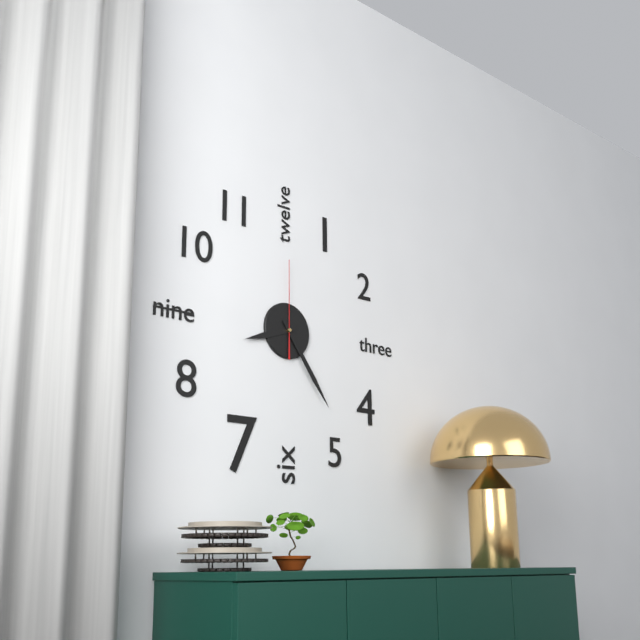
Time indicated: 8:24:00
